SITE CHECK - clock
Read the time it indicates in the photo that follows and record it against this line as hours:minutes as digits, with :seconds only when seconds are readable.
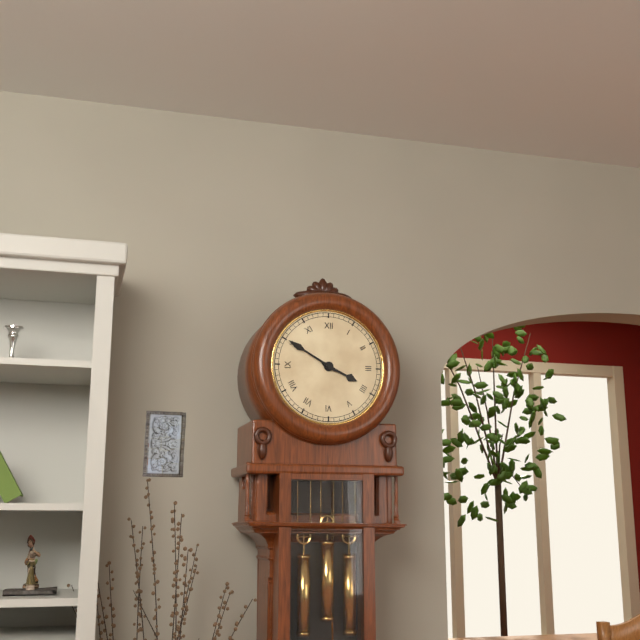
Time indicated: 3:50
